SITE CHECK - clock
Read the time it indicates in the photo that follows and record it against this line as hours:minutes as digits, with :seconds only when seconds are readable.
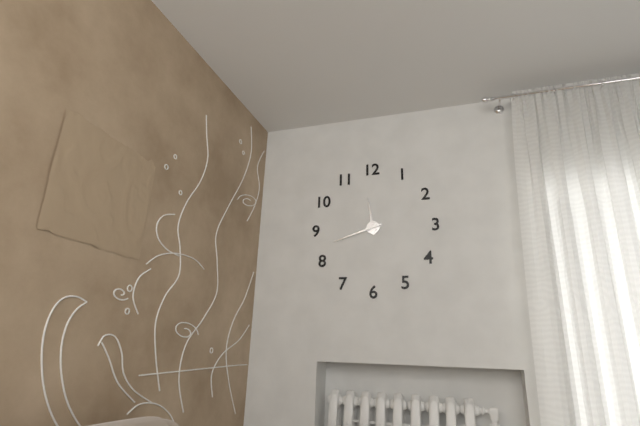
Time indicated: 11:42
